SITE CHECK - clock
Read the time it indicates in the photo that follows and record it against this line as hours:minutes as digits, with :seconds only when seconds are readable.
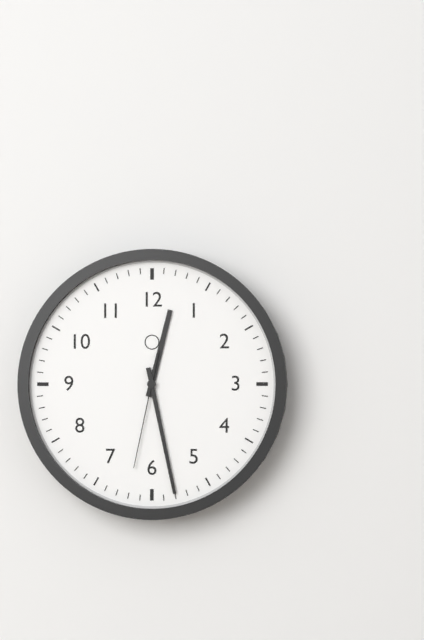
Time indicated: 12:28:32
